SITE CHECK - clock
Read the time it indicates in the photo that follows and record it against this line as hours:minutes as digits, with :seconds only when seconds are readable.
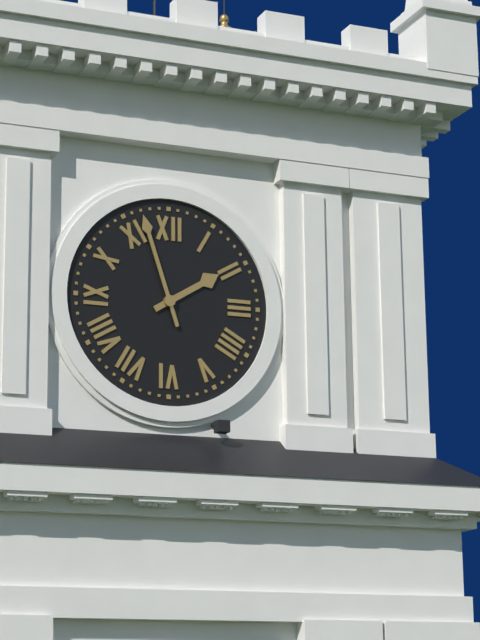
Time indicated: 1:57
